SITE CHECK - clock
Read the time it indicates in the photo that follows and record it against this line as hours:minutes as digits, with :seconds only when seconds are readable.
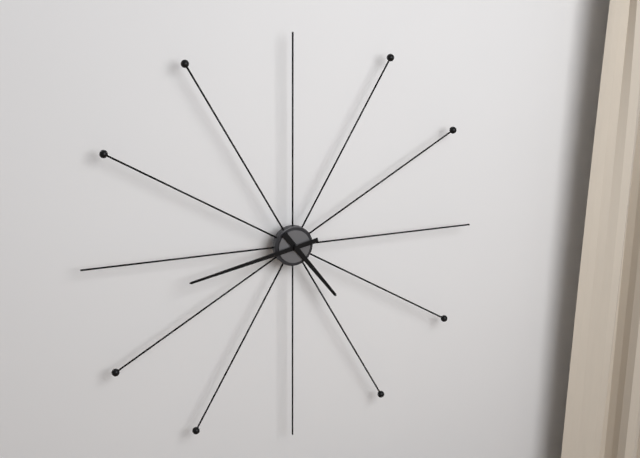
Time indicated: 4:43
